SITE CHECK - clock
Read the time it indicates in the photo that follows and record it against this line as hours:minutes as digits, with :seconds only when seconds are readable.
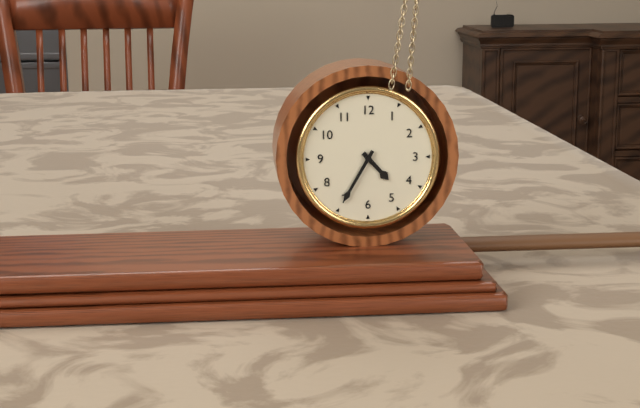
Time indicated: 4:35
